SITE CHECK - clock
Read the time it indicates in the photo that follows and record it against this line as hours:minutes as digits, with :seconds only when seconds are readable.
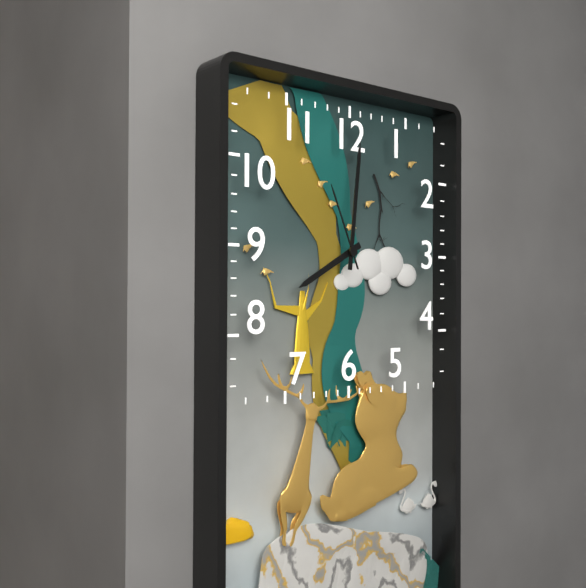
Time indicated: 8:01:56
